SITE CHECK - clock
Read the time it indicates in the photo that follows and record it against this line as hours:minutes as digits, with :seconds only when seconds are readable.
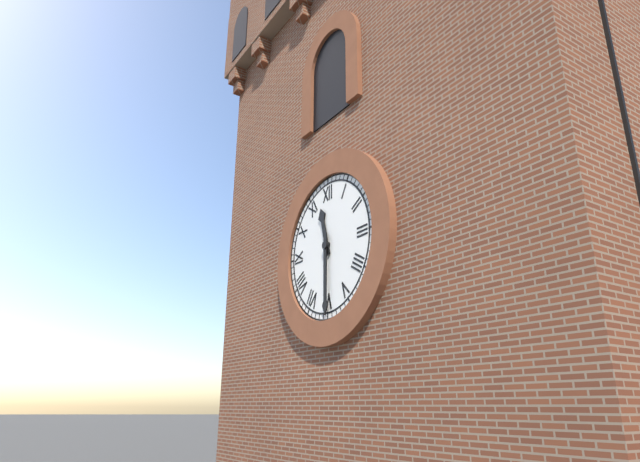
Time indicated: 11:30
